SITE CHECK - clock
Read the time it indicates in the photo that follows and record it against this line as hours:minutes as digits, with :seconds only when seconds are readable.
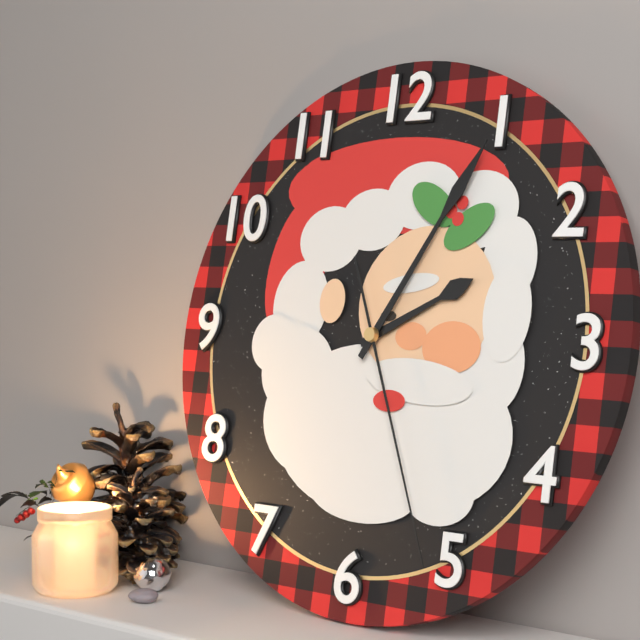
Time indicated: 2:05:26
